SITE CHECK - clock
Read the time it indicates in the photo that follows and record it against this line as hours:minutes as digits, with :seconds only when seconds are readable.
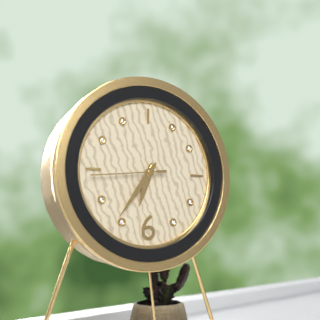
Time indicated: 6:36:44
